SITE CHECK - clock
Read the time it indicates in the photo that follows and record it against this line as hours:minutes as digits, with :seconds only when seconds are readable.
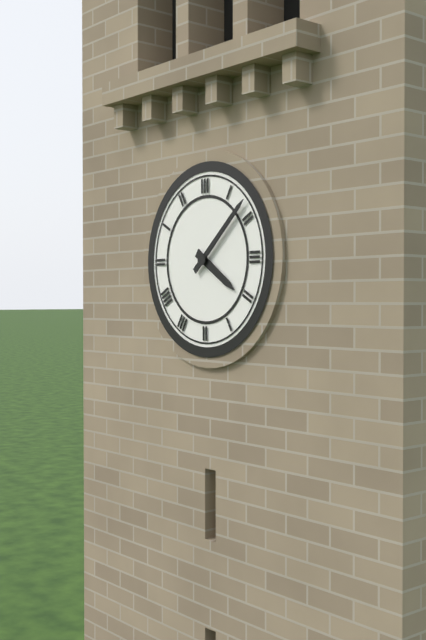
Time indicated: 4:08
